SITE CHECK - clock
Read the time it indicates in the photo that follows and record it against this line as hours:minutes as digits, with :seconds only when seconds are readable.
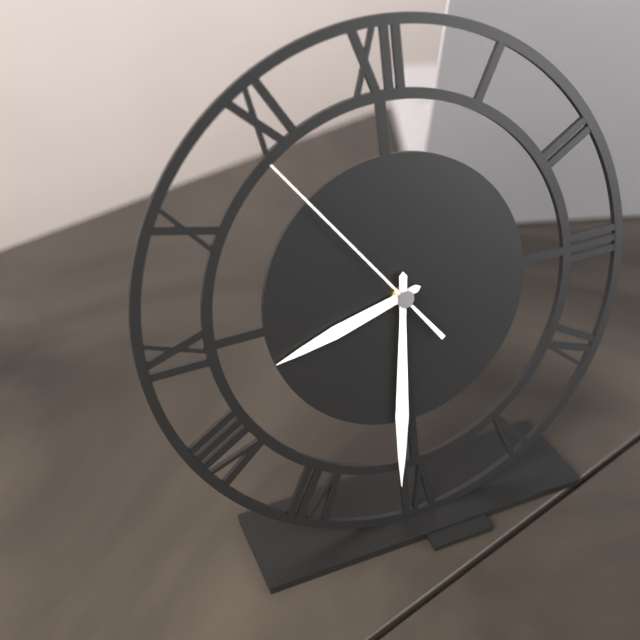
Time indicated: 8:31:54
